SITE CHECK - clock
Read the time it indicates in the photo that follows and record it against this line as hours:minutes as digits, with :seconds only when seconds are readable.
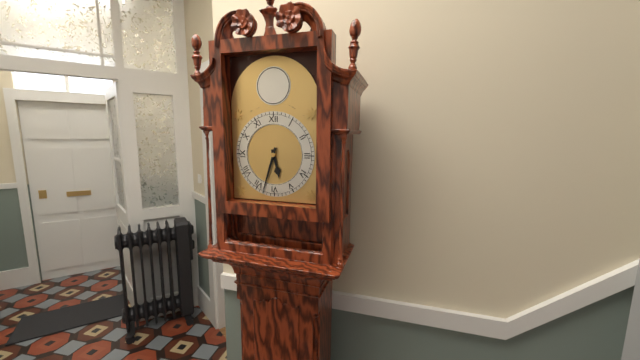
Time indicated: 5:33
